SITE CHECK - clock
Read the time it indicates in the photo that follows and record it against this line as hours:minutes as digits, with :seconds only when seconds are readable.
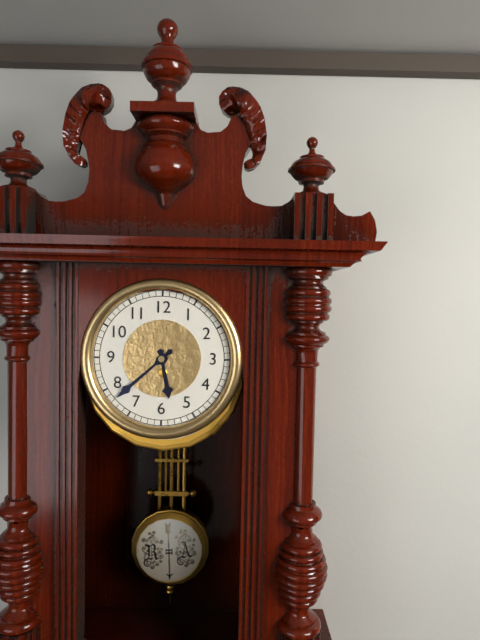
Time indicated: 5:38
